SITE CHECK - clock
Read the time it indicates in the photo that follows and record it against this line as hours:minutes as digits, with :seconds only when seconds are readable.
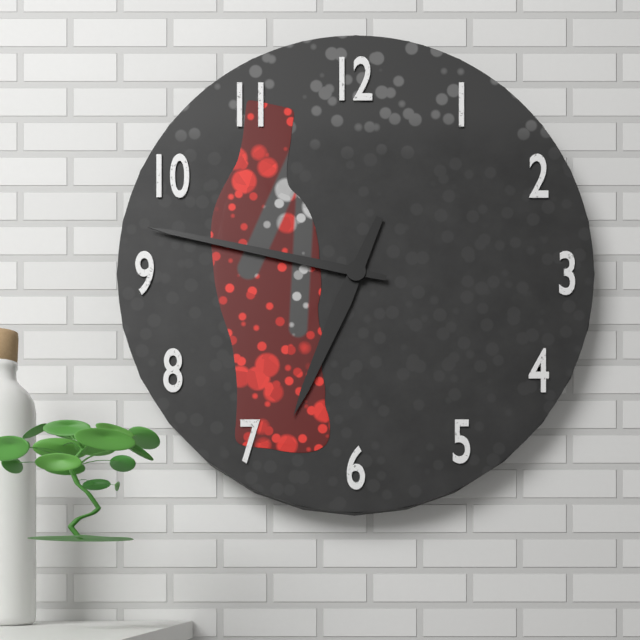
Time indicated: 6:47
